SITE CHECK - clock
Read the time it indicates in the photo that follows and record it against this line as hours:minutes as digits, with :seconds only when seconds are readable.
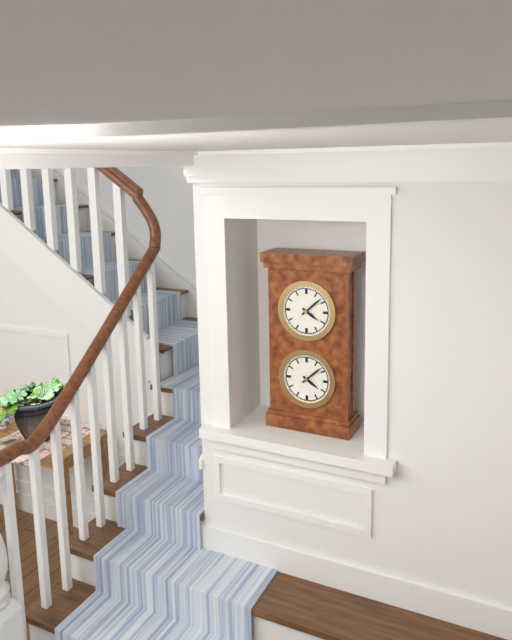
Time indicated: 4:08
